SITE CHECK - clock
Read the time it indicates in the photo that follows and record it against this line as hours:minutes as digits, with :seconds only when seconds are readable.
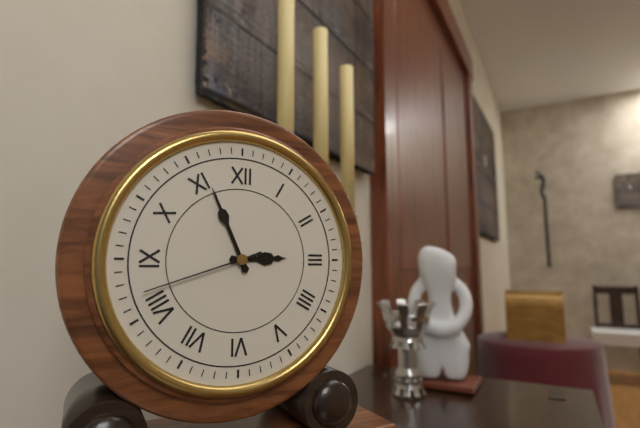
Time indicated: 2:56:42
